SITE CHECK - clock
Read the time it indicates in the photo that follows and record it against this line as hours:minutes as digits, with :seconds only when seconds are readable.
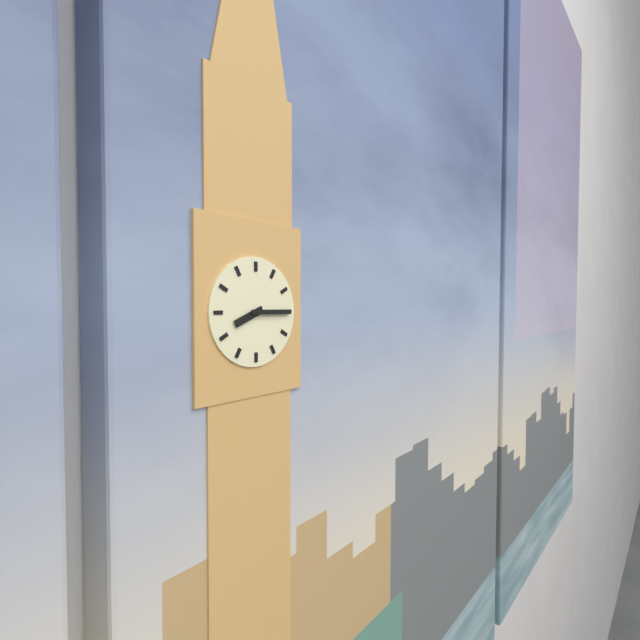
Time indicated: 8:15
